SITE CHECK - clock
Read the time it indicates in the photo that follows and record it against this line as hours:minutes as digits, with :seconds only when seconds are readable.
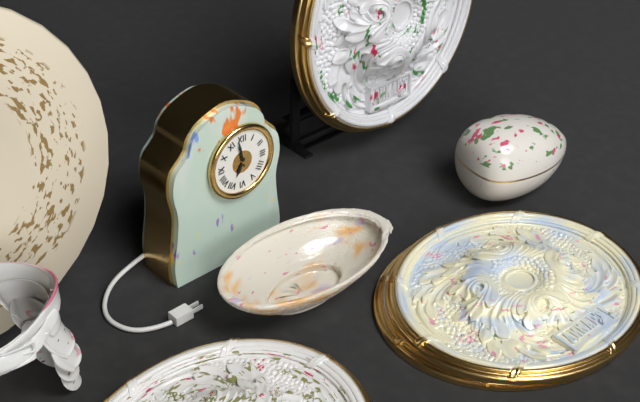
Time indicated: 6:58
